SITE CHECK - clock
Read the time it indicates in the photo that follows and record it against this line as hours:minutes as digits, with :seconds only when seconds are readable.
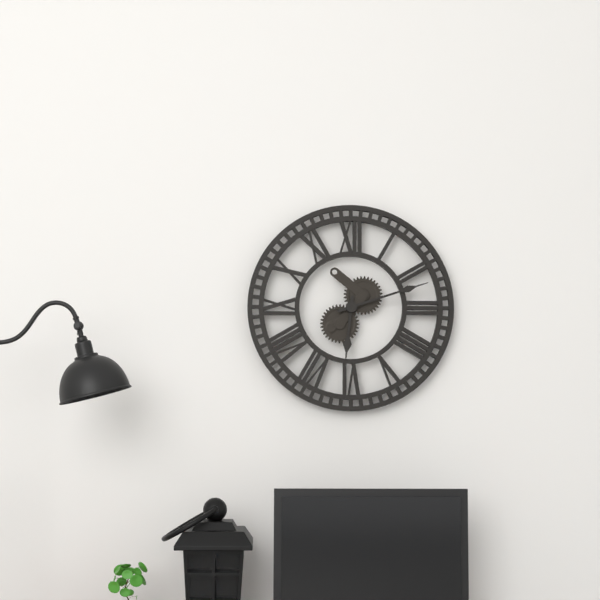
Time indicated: 6:12
